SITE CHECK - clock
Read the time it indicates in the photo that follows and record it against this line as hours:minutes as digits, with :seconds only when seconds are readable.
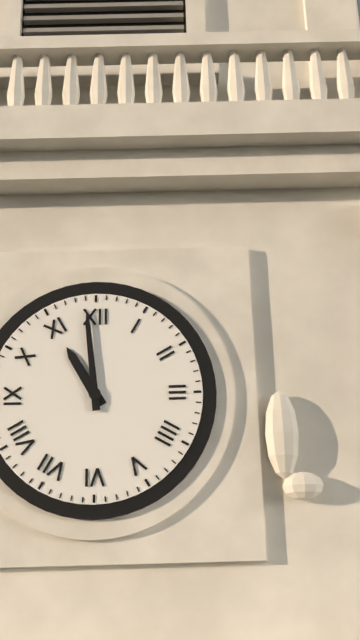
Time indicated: 10:59
